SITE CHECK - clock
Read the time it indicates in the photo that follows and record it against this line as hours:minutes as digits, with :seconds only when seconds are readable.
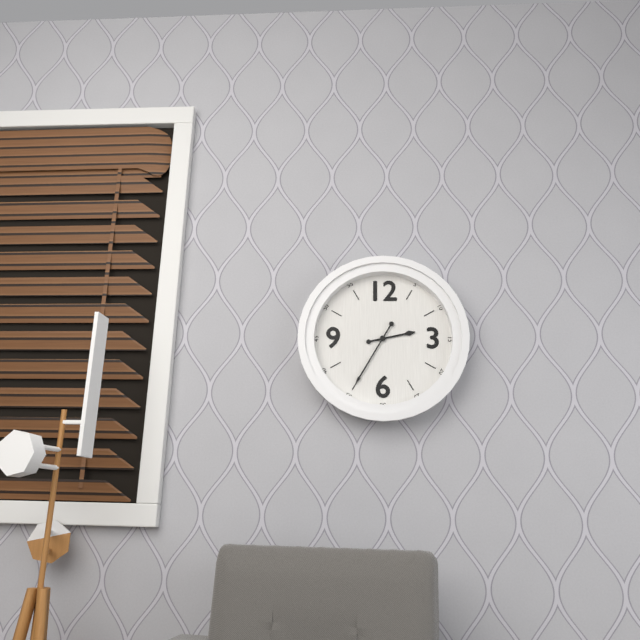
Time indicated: 2:35
